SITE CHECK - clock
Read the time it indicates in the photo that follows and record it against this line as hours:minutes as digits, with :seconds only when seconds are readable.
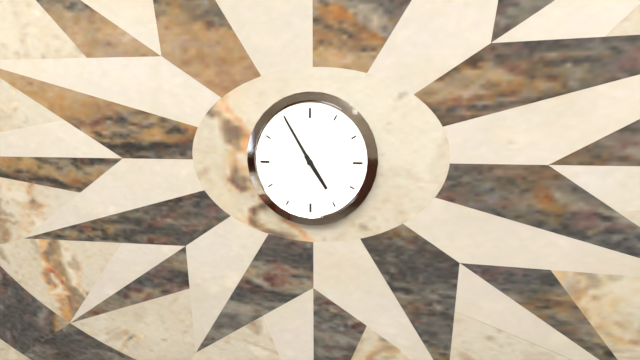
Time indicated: 4:55
